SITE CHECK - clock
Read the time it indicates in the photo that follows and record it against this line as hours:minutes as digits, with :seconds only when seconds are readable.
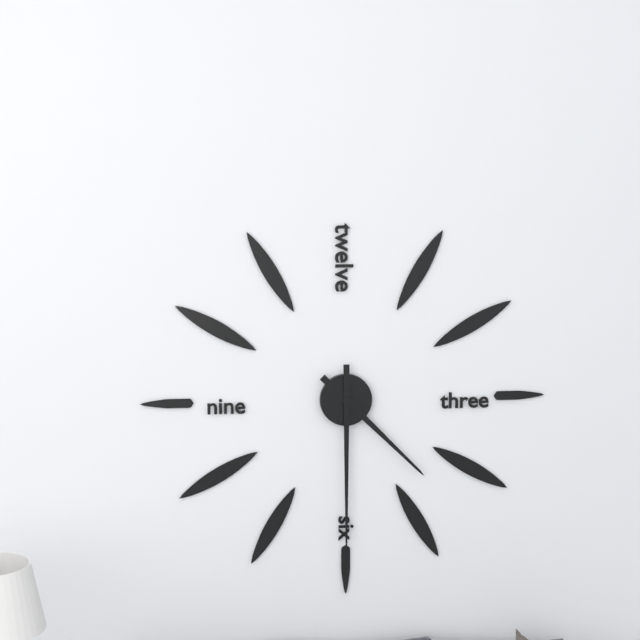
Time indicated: 4:30
